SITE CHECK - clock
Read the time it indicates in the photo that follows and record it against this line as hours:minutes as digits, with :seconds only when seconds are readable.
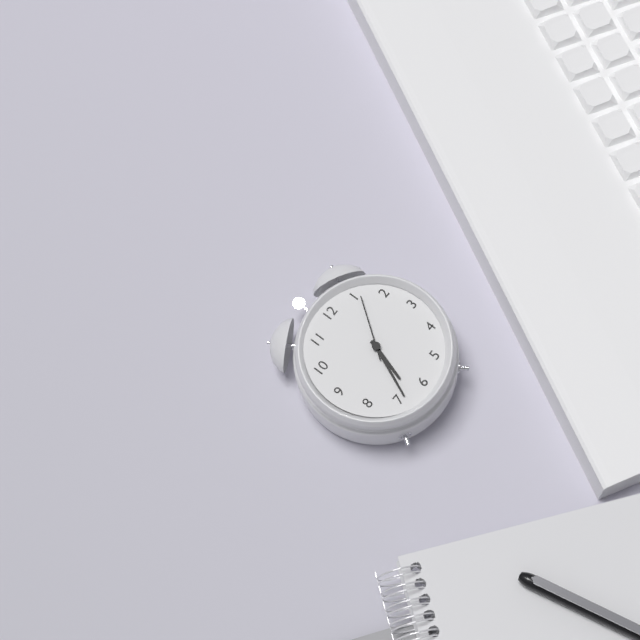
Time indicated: 6:34:06
